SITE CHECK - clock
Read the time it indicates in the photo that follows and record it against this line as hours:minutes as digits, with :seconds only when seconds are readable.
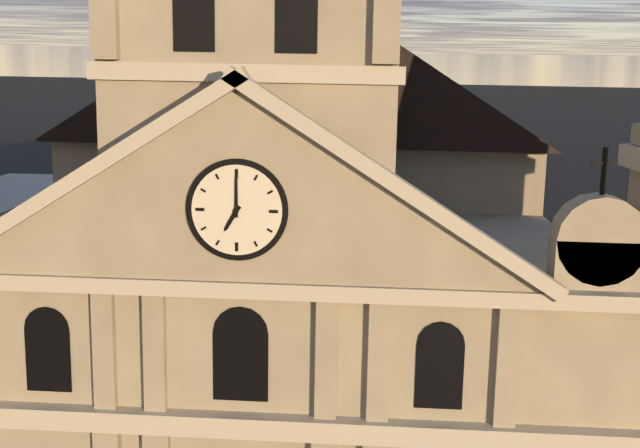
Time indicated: 7:00
